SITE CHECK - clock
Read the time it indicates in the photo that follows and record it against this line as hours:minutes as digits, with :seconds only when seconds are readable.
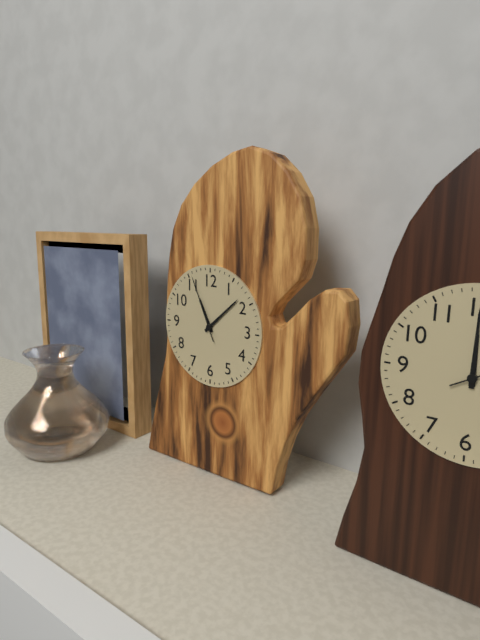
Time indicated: 11:08:56
